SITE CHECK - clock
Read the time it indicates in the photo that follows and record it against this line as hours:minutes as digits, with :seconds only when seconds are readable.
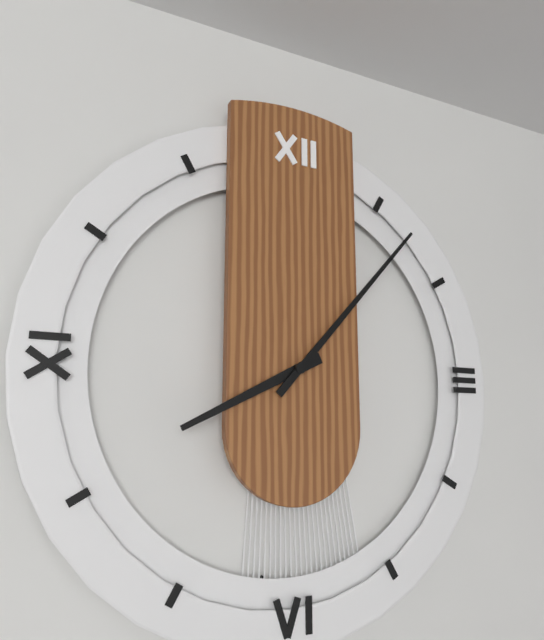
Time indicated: 8:07
